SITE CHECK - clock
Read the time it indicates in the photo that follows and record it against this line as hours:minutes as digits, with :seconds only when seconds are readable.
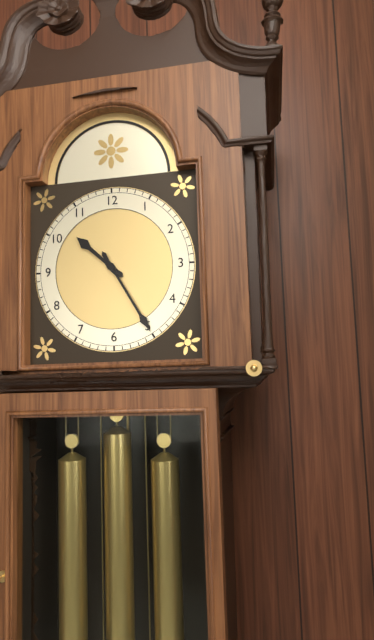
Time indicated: 10:25
